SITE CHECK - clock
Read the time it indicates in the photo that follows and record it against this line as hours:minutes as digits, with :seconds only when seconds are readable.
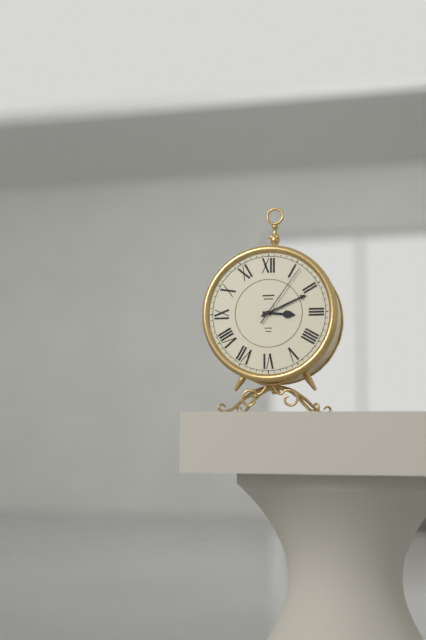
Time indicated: 3:11:06
